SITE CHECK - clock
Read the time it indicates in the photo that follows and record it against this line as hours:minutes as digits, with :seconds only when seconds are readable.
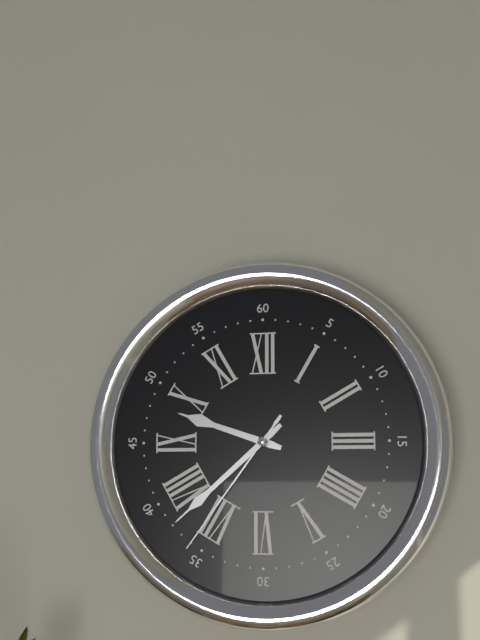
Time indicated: 9:38:36
